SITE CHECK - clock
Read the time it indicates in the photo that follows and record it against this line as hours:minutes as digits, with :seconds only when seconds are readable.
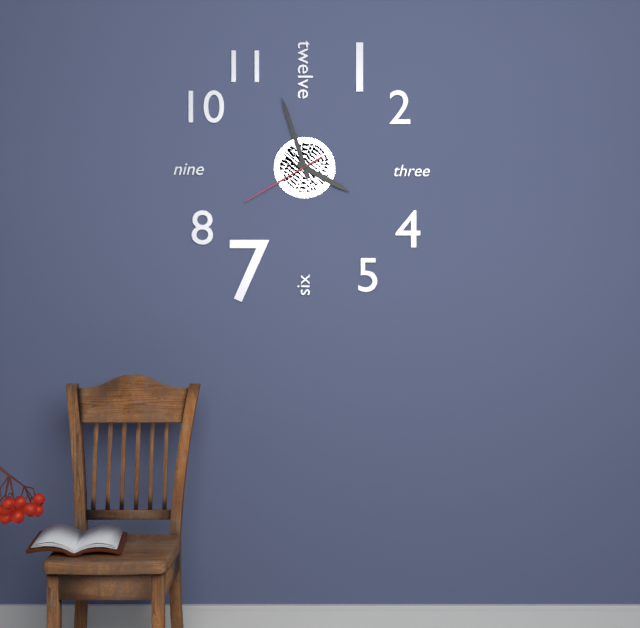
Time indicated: 3:57:40
